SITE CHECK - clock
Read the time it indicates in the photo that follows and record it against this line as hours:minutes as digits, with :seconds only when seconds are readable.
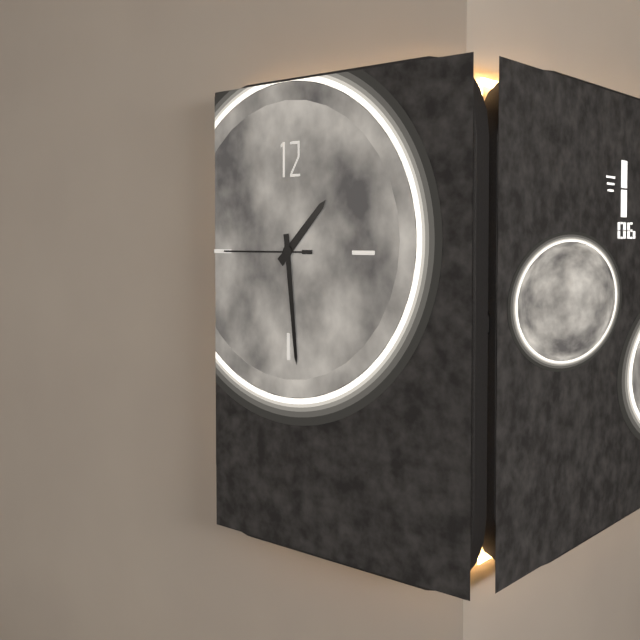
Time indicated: 1:29:45
